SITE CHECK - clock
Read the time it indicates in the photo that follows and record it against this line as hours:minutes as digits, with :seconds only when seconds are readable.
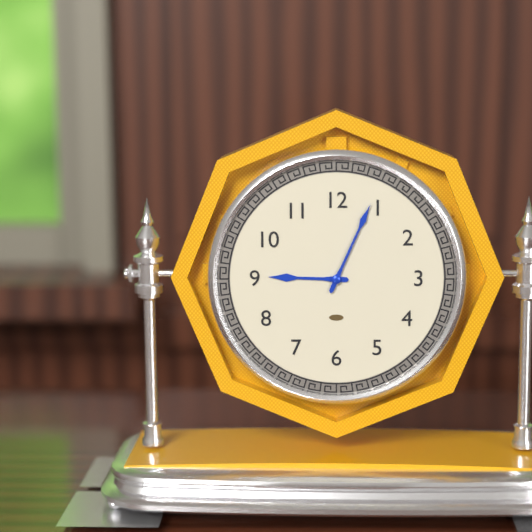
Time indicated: 9:04
